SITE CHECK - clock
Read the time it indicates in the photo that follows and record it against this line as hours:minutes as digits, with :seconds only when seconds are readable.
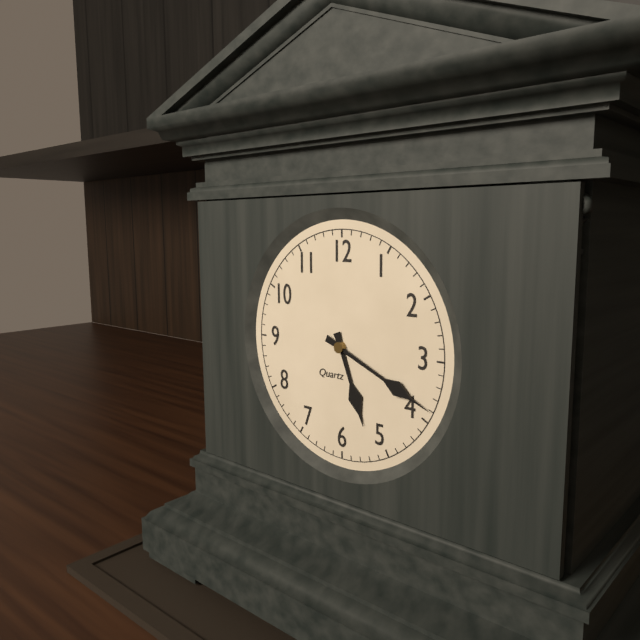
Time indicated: 5:19
